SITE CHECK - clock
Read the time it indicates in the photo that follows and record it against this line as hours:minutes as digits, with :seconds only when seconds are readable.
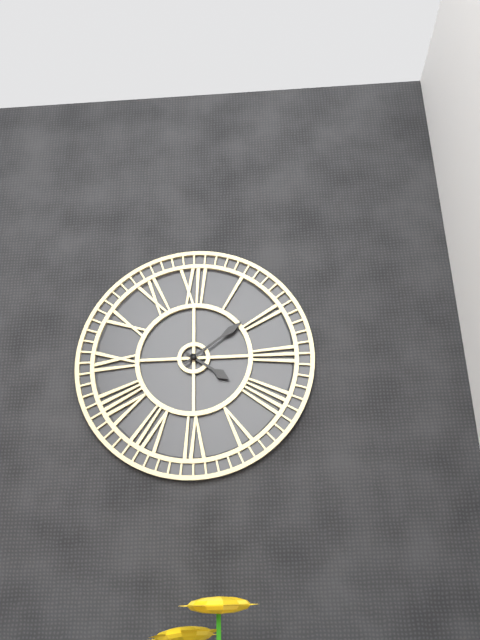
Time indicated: 4:09
